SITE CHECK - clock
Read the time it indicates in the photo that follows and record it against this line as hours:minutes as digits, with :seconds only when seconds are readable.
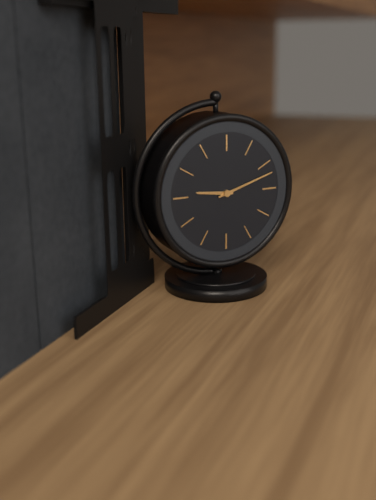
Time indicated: 9:12
